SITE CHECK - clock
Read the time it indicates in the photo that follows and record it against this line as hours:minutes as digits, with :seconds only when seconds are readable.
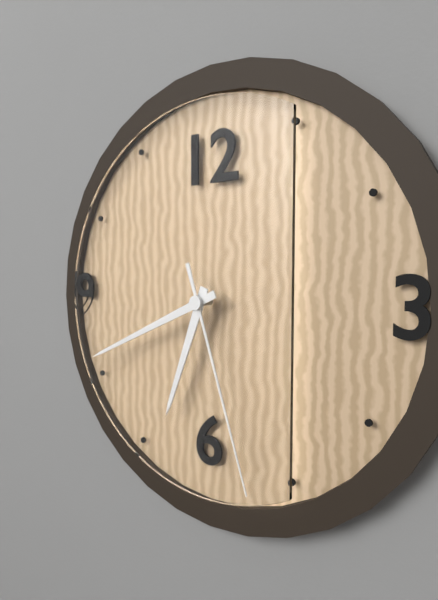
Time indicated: 6:41:27
